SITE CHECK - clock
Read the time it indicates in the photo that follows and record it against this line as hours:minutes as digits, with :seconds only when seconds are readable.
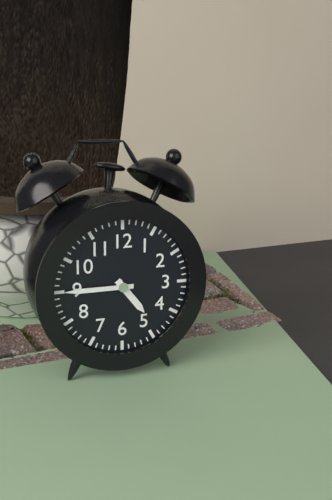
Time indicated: 4:45
